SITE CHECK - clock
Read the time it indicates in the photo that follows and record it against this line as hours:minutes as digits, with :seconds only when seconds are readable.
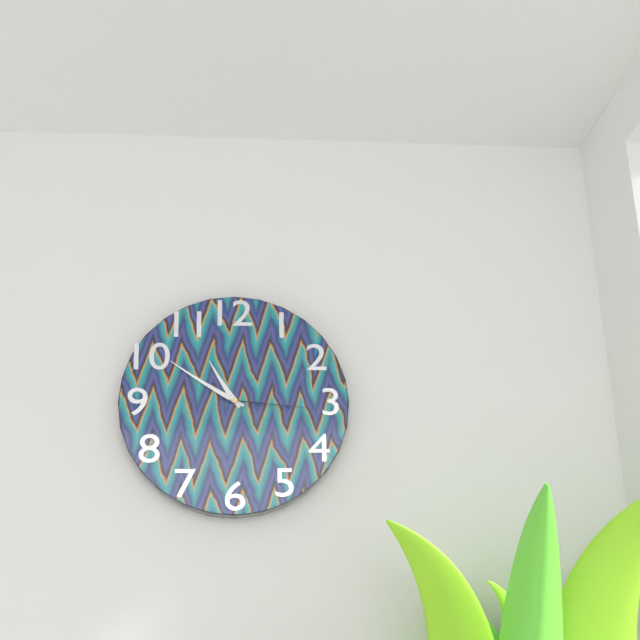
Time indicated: 10:50:16
